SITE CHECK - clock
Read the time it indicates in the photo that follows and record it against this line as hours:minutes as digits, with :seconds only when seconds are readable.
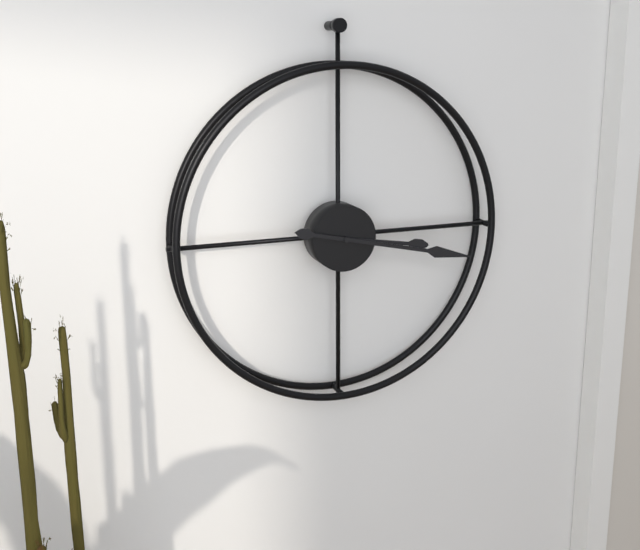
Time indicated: 3:17
